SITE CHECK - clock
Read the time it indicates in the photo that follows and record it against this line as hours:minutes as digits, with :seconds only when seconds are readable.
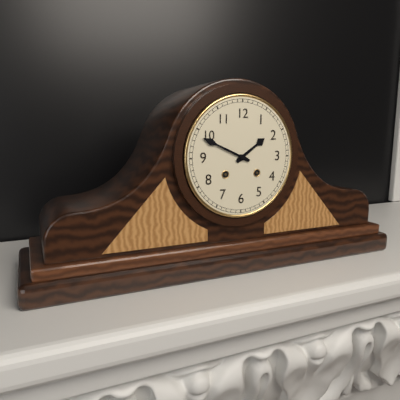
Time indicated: 1:49
